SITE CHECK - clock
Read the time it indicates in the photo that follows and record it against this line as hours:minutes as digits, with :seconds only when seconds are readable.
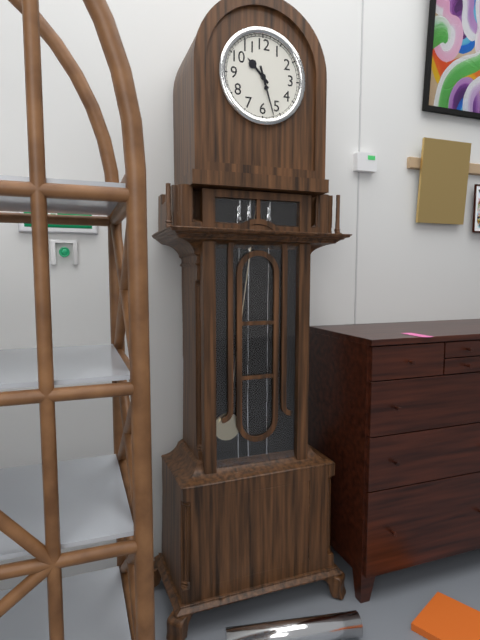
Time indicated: 10:27
